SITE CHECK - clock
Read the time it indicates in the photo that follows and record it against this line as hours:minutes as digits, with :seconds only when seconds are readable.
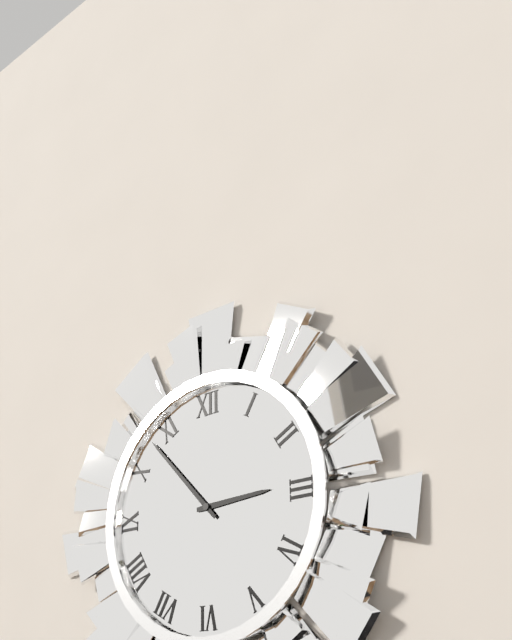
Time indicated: 2:53
